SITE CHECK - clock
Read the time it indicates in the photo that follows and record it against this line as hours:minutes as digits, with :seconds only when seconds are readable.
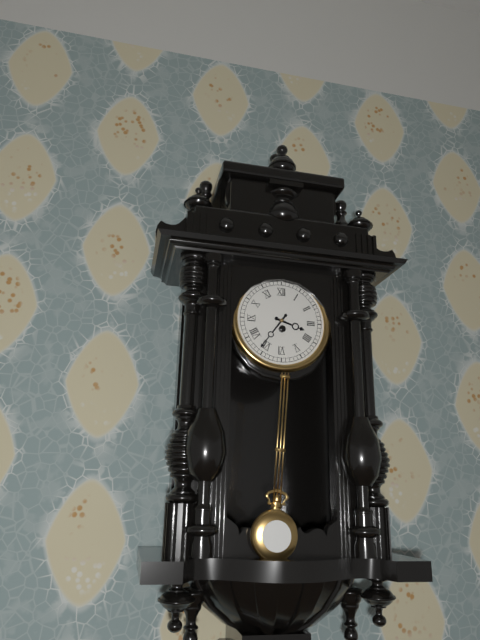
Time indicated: 3:36
